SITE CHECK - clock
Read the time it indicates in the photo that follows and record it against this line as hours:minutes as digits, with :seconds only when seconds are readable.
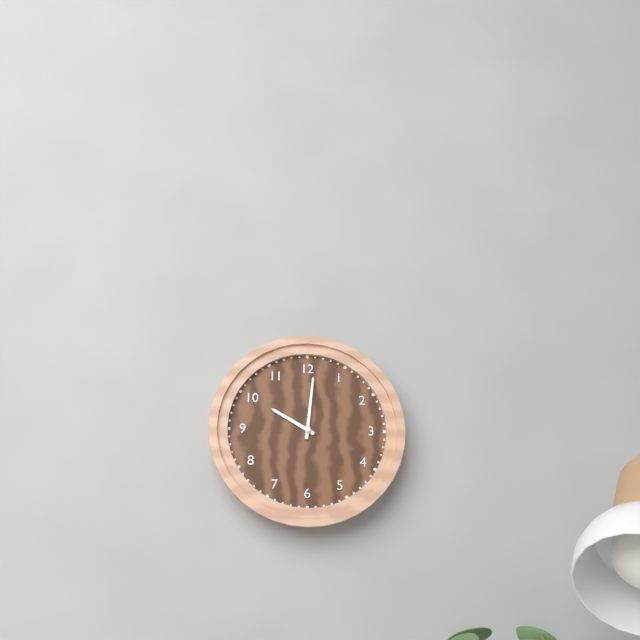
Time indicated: 10:01
